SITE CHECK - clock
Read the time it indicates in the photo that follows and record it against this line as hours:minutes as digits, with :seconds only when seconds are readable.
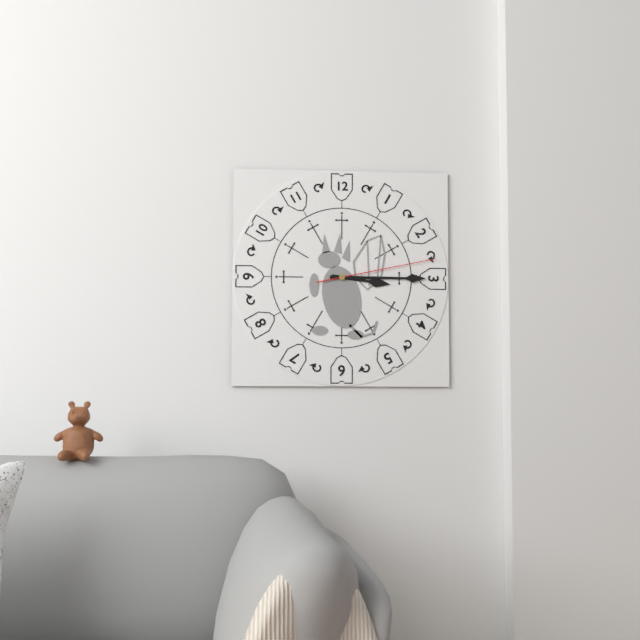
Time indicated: 3:15:13
